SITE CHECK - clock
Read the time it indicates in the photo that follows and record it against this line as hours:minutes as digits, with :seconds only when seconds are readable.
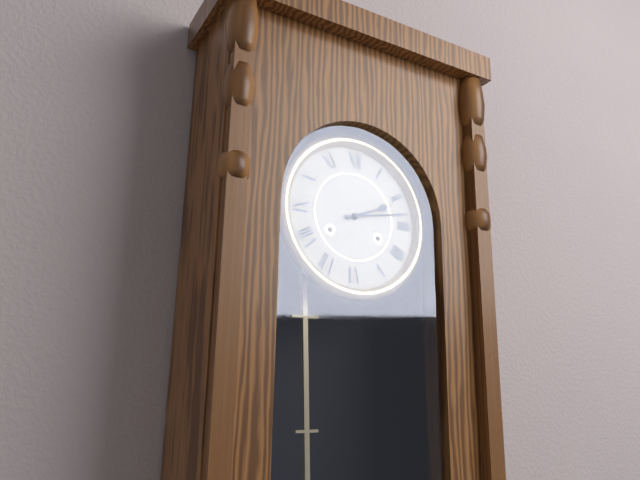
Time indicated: 2:13
